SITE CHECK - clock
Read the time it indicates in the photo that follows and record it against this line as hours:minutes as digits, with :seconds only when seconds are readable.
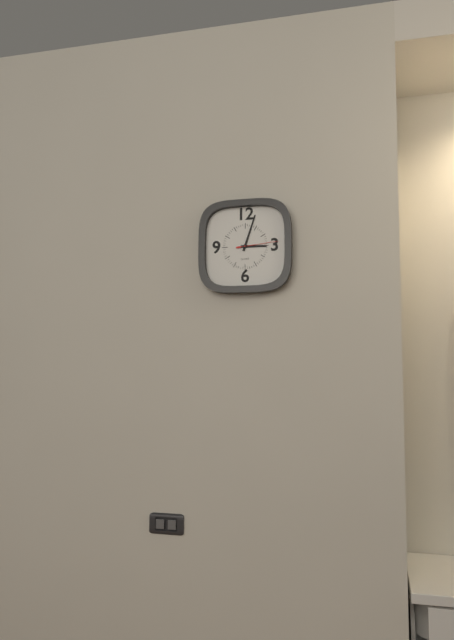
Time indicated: 3:03
